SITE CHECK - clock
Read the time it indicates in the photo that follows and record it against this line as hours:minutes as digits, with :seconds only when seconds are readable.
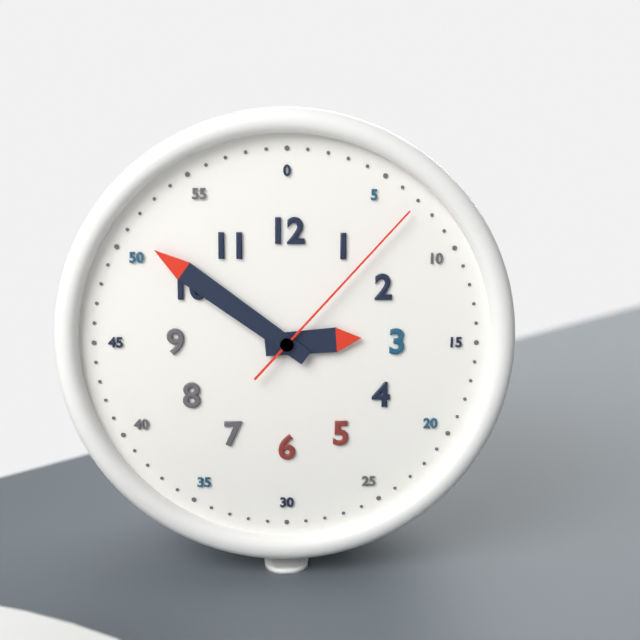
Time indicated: 2:51:07
